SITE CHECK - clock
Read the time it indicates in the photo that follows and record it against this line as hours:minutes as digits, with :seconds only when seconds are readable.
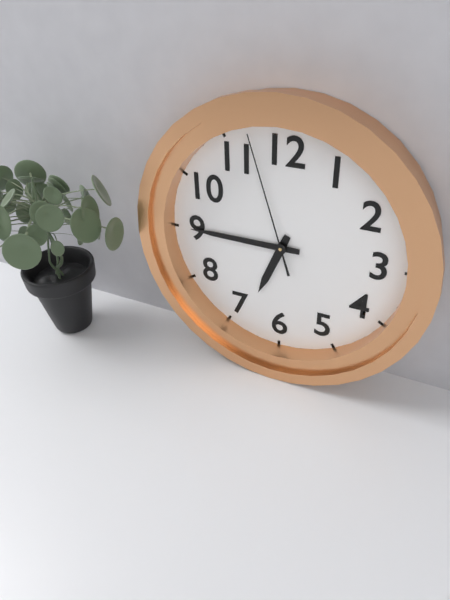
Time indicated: 6:45:57
